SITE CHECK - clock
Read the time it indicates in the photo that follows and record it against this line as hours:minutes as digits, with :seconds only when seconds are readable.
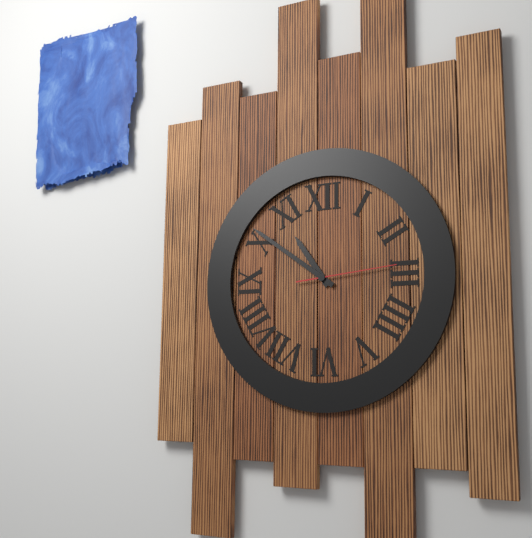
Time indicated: 10:51:14
